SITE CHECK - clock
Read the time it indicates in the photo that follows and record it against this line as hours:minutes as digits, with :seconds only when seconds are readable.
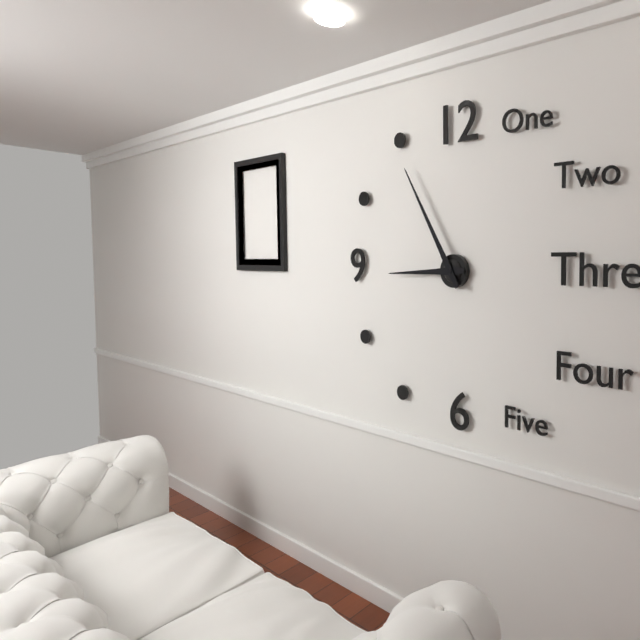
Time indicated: 8:55
